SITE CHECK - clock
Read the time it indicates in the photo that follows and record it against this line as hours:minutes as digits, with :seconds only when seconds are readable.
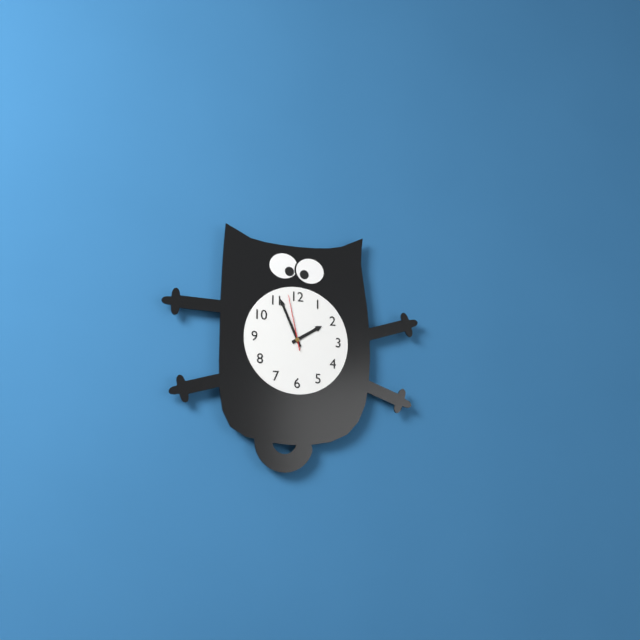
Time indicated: 1:56:58
